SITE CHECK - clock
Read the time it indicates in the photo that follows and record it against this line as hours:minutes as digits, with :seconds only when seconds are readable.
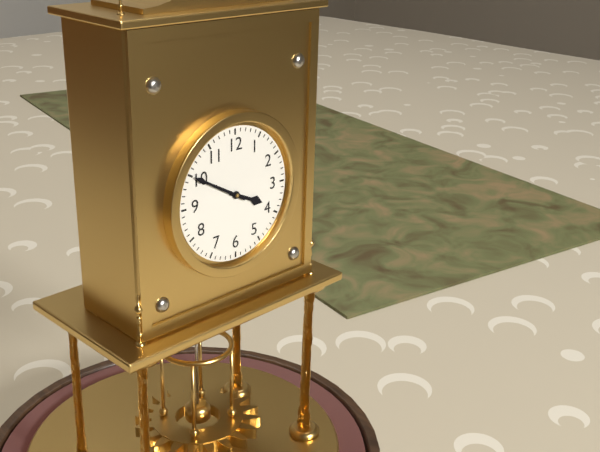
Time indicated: 3:50
